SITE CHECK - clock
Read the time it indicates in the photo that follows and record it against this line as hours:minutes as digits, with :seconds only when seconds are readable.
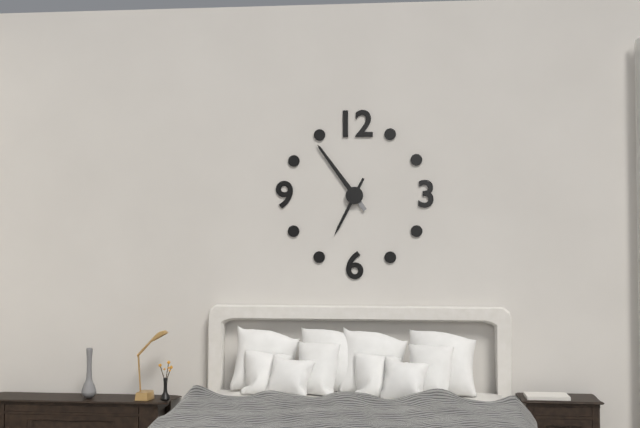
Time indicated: 6:54
